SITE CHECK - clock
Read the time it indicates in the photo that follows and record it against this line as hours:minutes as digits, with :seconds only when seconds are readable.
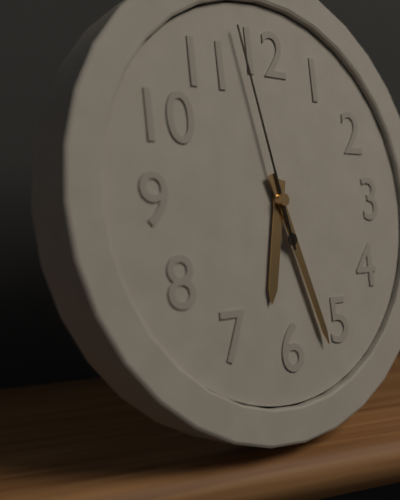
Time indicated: 6:27:58
